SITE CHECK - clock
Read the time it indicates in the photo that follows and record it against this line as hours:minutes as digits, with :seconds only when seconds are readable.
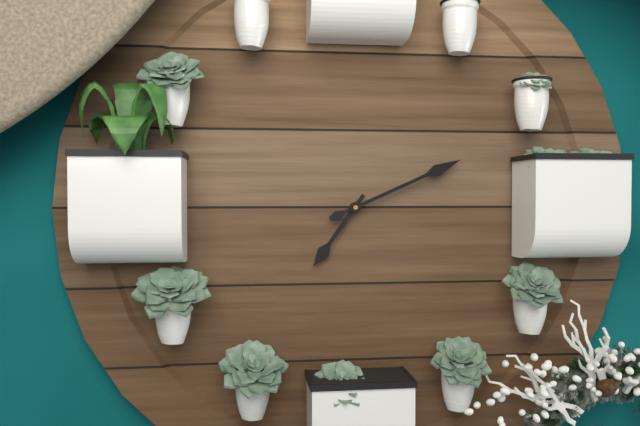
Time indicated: 7:11
